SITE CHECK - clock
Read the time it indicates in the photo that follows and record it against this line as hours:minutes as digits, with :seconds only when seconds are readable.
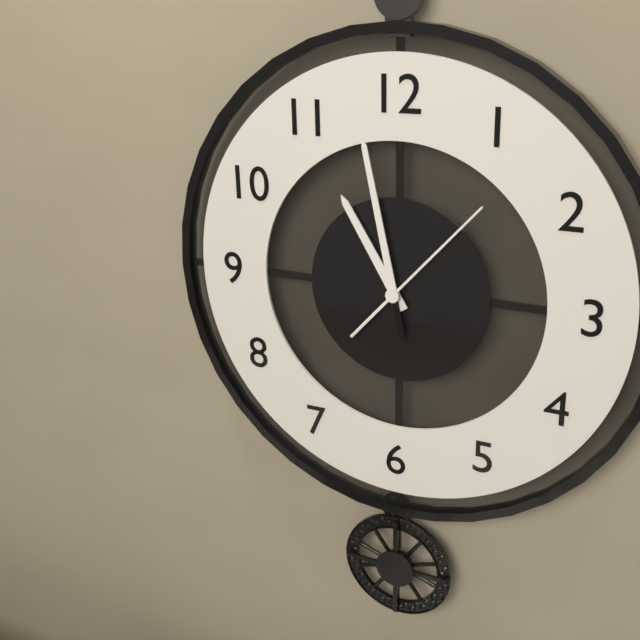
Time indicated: 10:58:07
